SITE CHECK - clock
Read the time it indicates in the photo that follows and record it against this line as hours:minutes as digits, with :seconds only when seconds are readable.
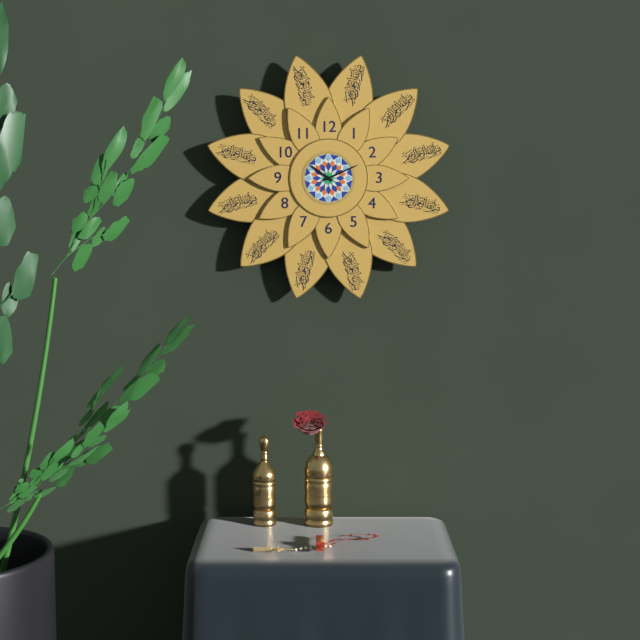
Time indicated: 10:11
